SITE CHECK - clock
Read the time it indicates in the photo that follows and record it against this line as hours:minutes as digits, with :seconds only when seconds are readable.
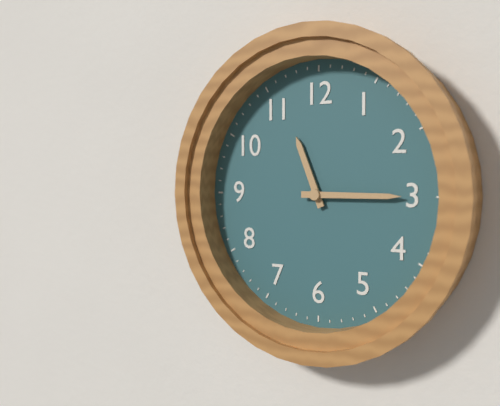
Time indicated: 11:15
